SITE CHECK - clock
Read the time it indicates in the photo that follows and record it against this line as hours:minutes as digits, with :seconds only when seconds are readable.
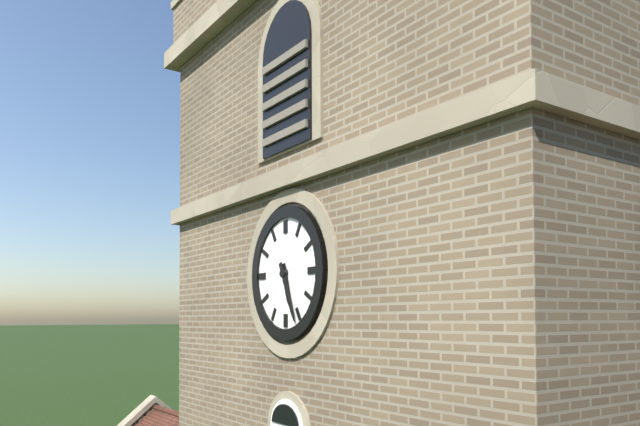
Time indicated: 5:26
